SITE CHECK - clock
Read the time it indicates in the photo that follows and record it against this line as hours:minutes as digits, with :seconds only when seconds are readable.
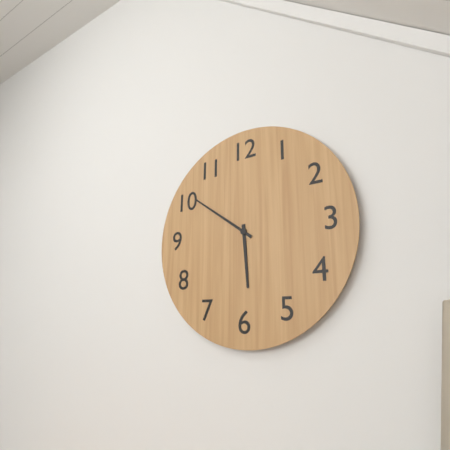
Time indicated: 5:51
